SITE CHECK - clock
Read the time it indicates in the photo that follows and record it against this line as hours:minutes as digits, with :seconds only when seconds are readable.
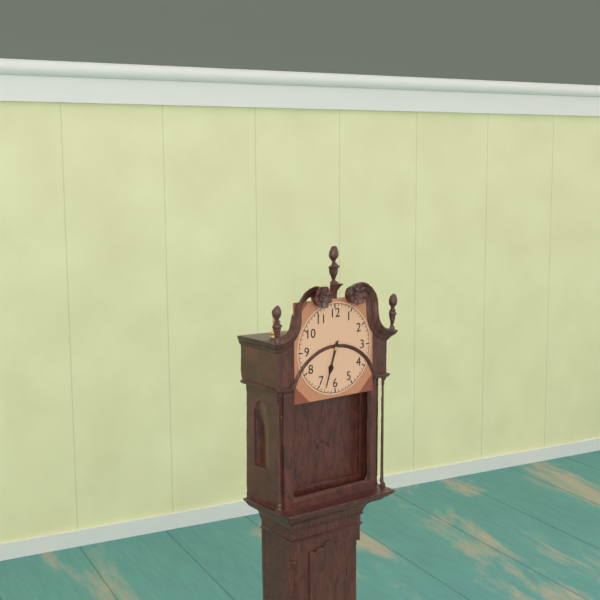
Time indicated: 6:33
